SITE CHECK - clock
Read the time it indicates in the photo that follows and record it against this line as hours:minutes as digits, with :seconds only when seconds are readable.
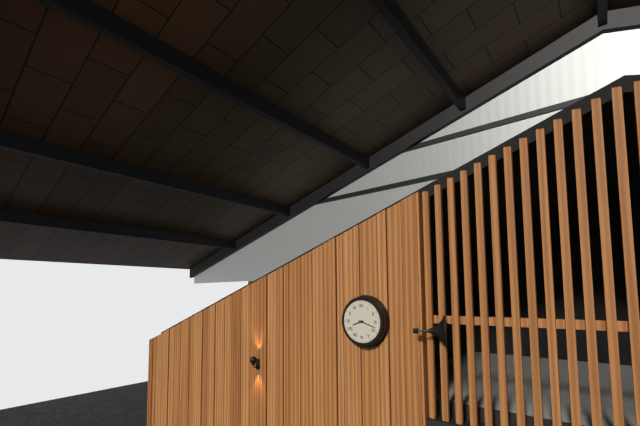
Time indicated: 8:18
